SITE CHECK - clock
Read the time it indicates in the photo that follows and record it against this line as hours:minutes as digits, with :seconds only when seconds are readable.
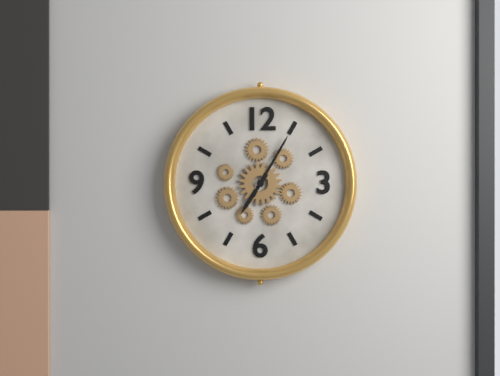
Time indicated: 7:05
